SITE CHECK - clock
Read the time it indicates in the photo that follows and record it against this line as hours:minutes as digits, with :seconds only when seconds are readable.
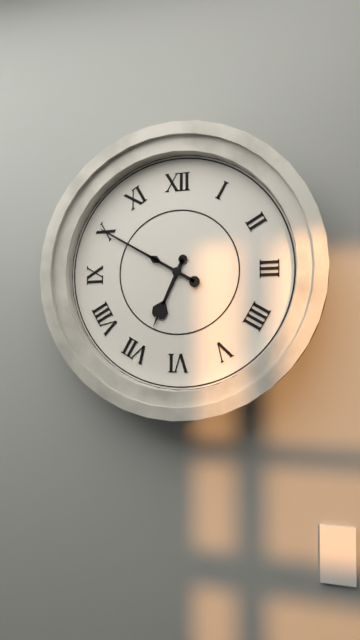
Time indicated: 6:50
